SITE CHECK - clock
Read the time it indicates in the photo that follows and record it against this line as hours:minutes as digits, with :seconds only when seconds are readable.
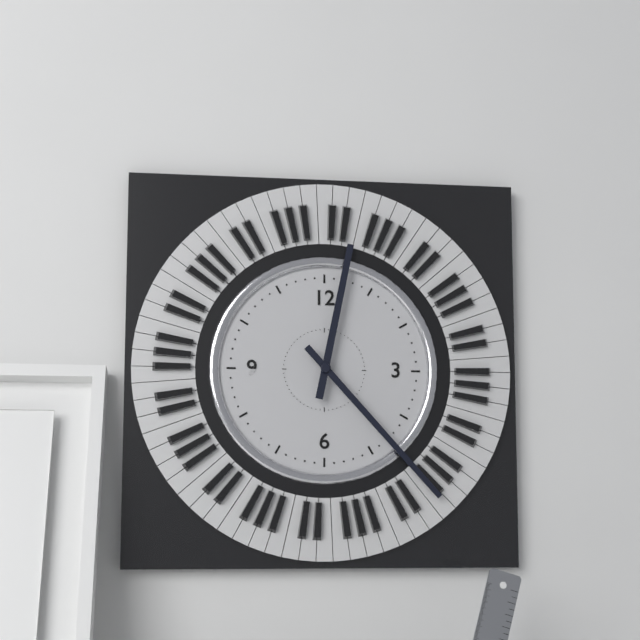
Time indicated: 12:23
